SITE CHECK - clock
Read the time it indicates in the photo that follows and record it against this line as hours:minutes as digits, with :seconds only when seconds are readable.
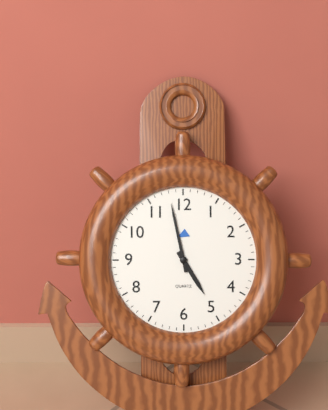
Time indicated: 4:58
